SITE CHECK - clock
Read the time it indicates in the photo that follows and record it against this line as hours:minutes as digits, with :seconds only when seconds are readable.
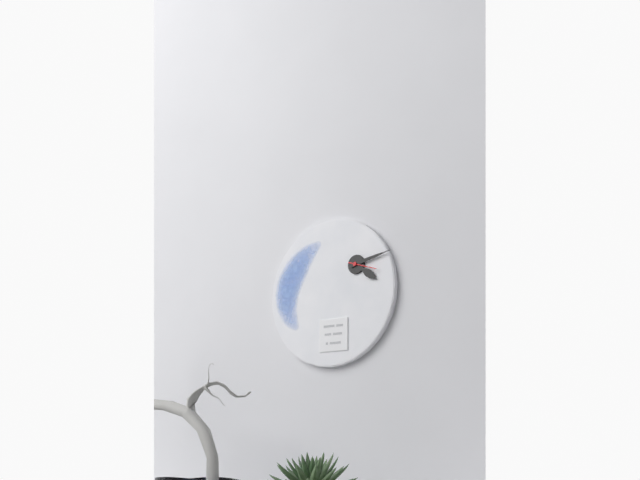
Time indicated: 4:13
